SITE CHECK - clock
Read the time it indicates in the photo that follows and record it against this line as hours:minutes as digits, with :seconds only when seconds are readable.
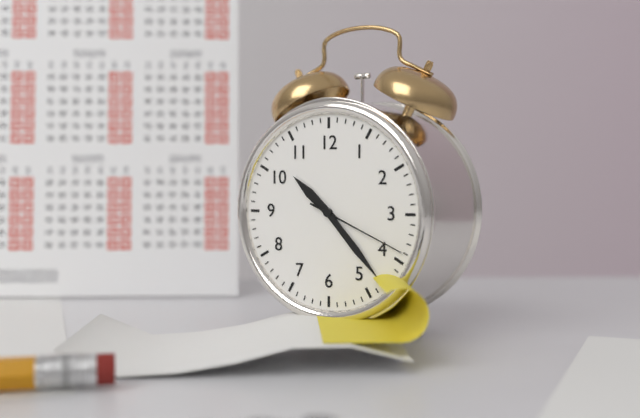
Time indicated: 10:23:19
